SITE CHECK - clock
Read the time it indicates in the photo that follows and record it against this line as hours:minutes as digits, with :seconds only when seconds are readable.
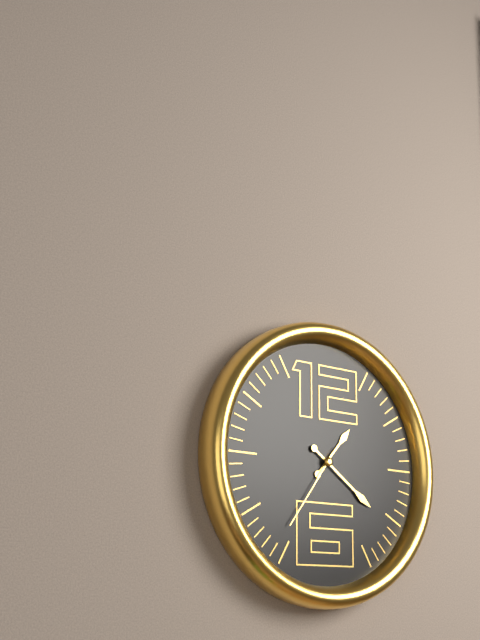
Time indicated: 1:21:36
